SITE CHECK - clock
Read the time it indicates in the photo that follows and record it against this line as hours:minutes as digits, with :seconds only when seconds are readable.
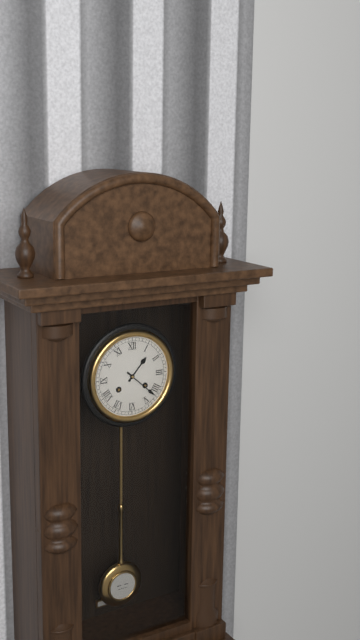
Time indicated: 1:22
